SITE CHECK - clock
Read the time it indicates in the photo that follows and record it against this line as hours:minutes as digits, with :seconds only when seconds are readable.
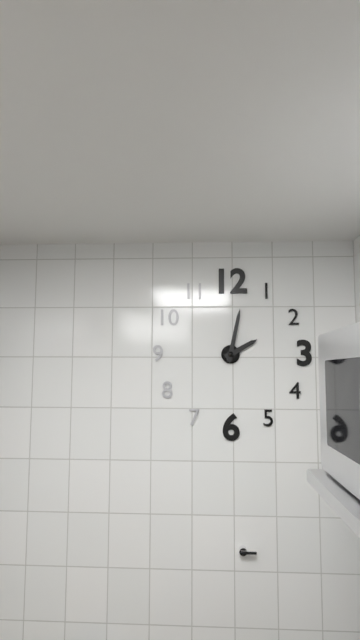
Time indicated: 2:02
